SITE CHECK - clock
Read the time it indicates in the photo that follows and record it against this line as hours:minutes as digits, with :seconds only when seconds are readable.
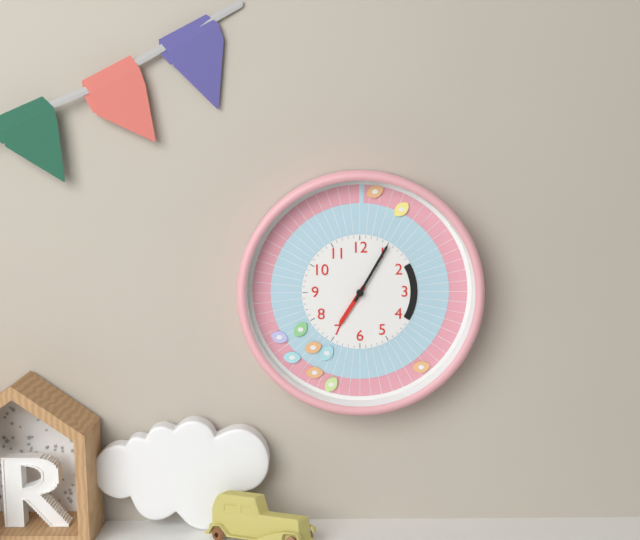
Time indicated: 7:05
